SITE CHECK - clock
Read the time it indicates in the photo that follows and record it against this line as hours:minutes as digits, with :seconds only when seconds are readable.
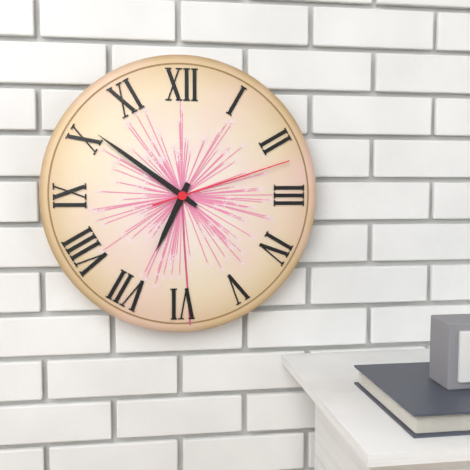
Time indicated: 6:51:12
